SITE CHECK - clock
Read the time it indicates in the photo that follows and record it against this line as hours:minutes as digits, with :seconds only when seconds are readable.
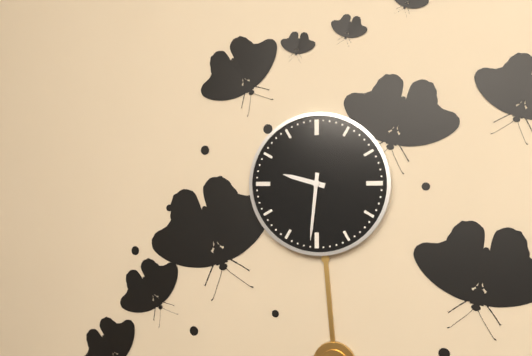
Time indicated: 9:31
